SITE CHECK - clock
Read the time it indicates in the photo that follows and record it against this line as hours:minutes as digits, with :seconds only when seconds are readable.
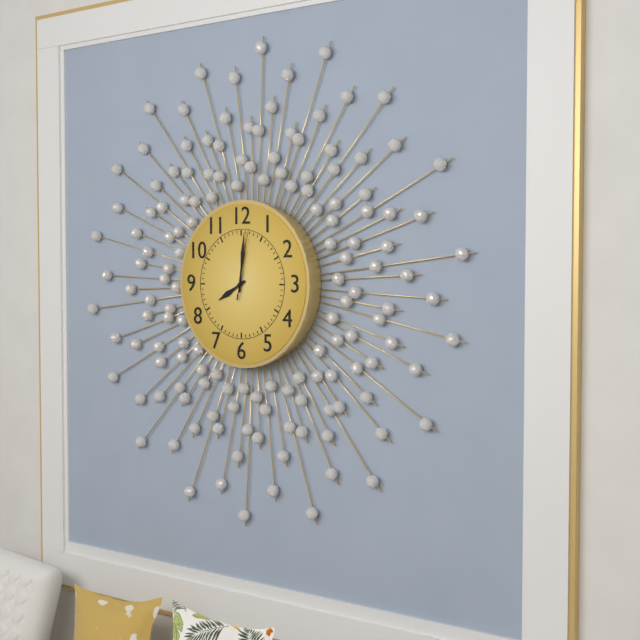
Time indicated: 8:01:02
